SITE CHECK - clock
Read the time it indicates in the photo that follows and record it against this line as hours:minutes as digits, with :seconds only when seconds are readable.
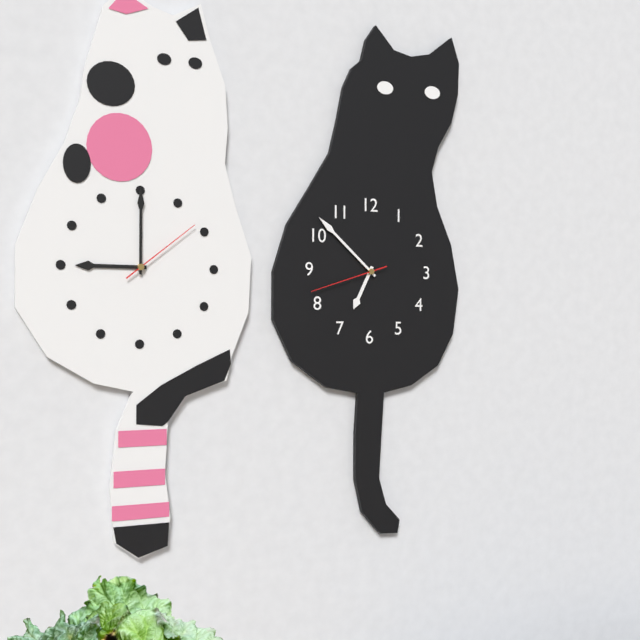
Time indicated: 6:52:42
